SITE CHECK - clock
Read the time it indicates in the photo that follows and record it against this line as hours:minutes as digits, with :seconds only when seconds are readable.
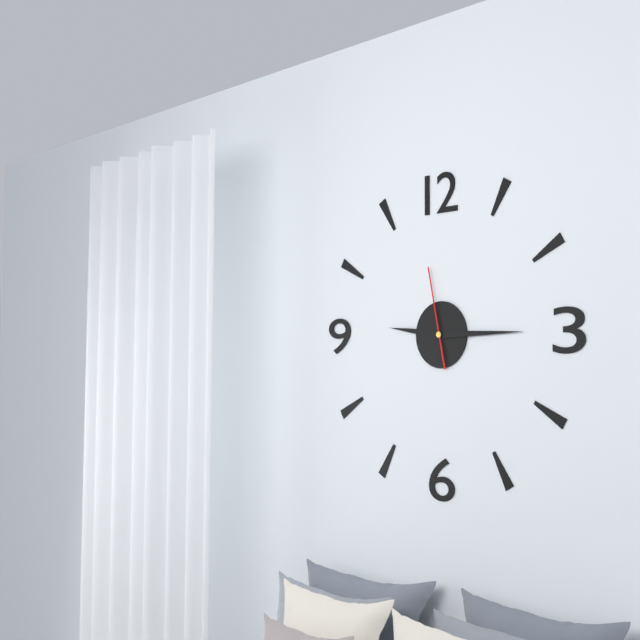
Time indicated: 9:15:58
